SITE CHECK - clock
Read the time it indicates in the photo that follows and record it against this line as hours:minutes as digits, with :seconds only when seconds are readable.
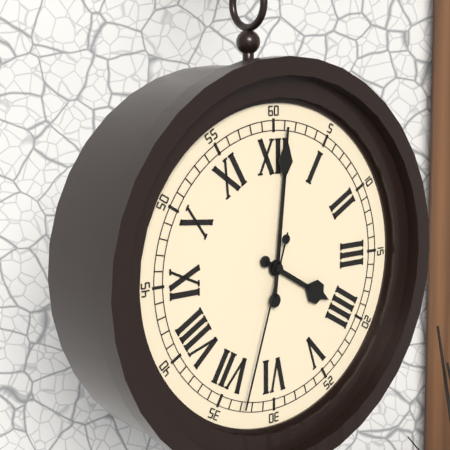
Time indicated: 4:01:33
